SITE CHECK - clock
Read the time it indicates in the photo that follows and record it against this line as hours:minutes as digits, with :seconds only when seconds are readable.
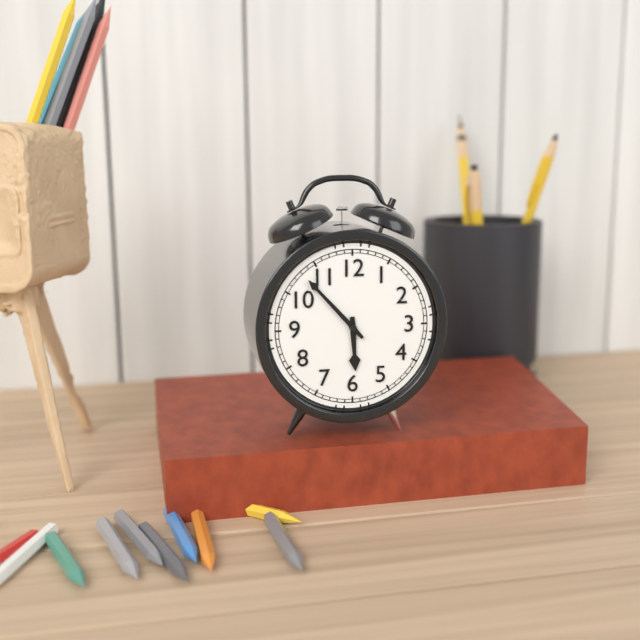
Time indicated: 5:53
